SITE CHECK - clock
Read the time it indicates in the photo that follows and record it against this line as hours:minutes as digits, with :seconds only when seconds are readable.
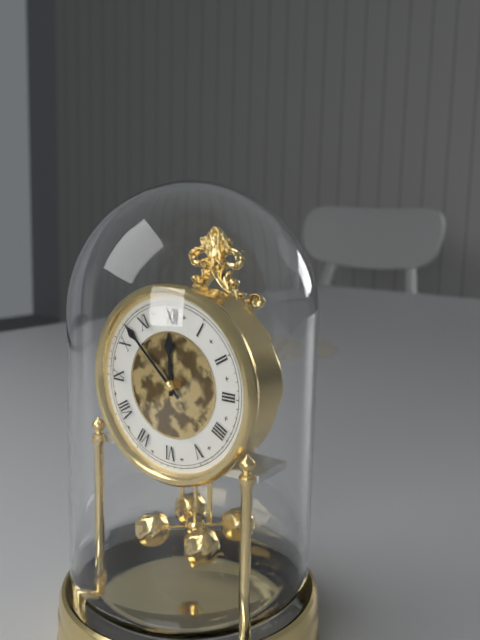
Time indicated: 11:52
